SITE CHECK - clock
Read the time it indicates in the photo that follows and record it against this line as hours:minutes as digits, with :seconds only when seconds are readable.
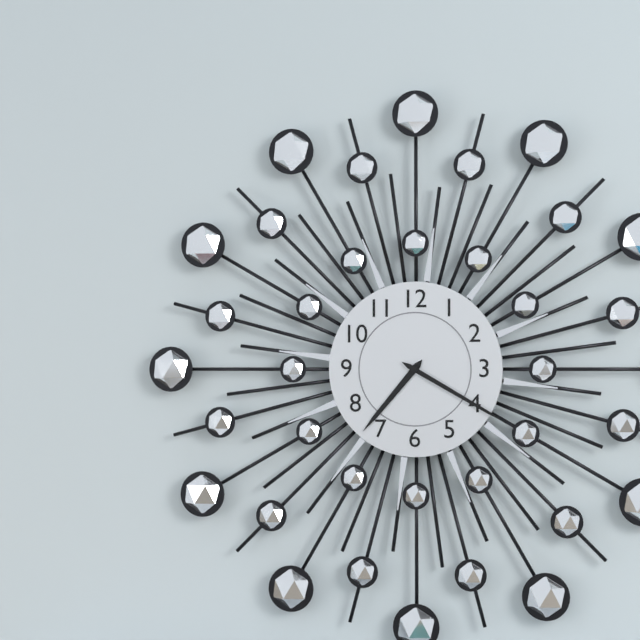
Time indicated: 7:20
